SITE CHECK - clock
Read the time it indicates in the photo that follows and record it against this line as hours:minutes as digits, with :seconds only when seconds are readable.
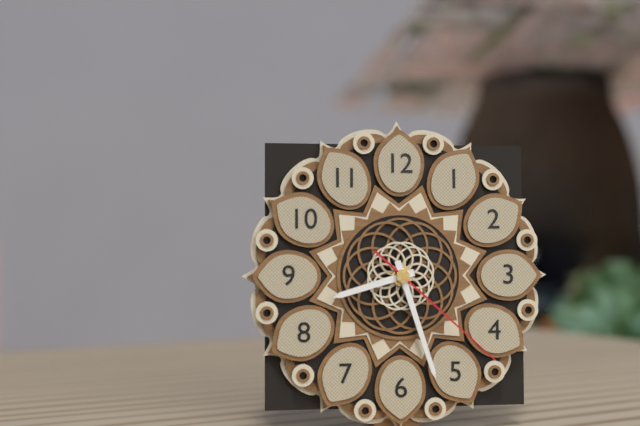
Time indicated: 8:27:22
